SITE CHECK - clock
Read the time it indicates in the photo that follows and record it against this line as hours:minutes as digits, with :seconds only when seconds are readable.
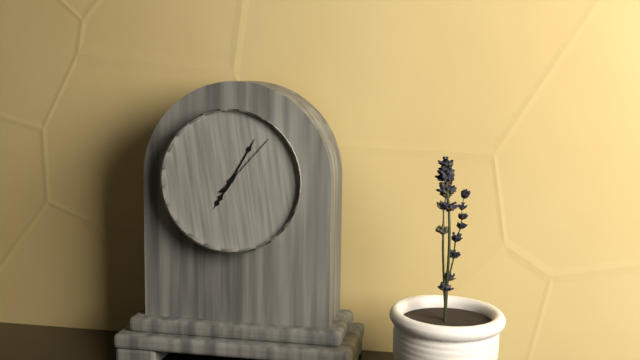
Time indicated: 7:05:07
